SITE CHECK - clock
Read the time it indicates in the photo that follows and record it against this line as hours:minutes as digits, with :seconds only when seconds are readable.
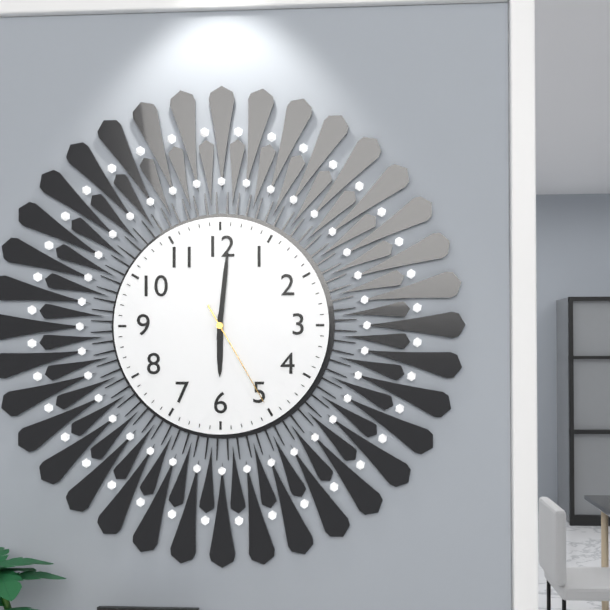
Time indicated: 6:01:25
